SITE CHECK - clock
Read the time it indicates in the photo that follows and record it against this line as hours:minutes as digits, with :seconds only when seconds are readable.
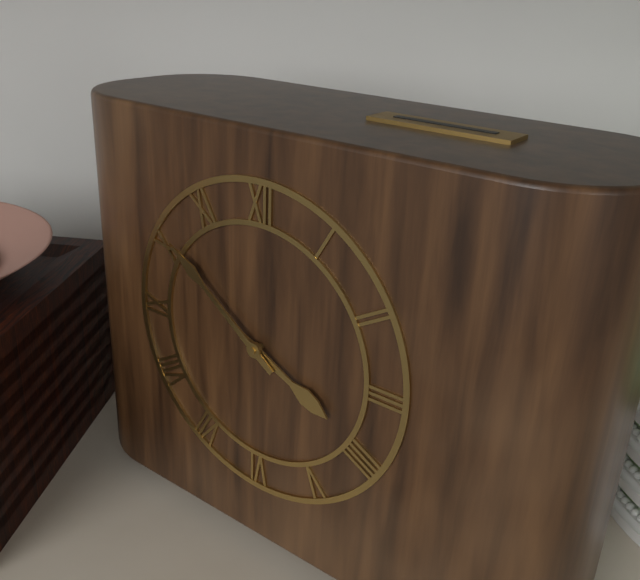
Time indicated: 3:51
